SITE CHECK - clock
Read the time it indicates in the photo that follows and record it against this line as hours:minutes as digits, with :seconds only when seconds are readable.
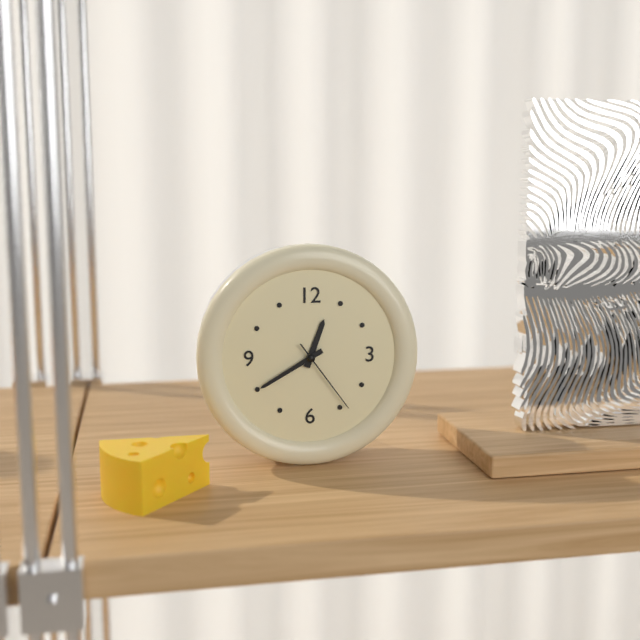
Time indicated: 12:40:24
